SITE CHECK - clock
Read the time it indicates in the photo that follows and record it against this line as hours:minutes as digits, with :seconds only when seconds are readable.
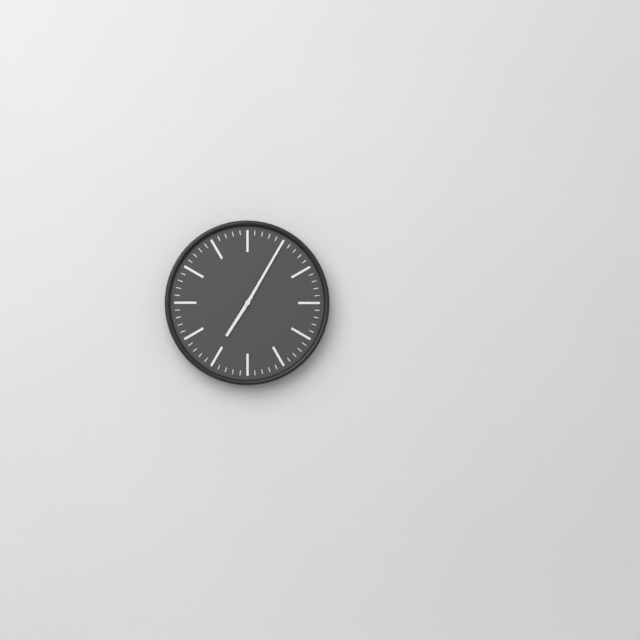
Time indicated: 7:05
